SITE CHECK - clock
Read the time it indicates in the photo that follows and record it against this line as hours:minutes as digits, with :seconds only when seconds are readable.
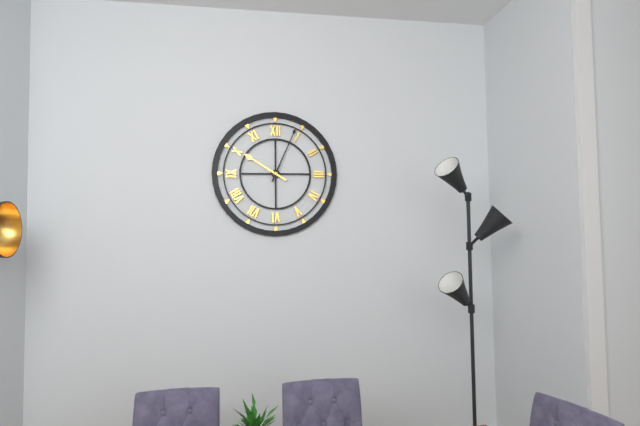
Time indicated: 10:04
